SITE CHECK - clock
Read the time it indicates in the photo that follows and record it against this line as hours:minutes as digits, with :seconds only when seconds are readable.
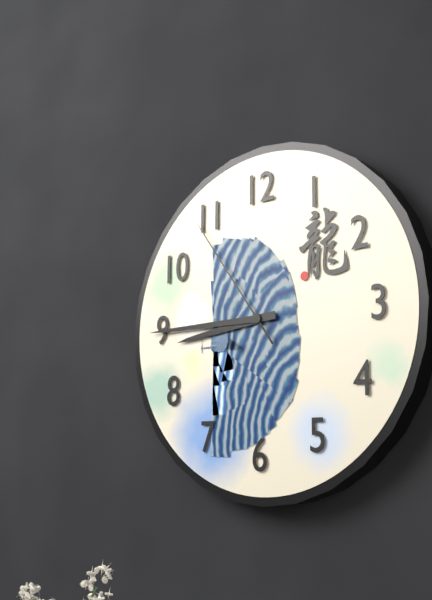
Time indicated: 8:45:54
